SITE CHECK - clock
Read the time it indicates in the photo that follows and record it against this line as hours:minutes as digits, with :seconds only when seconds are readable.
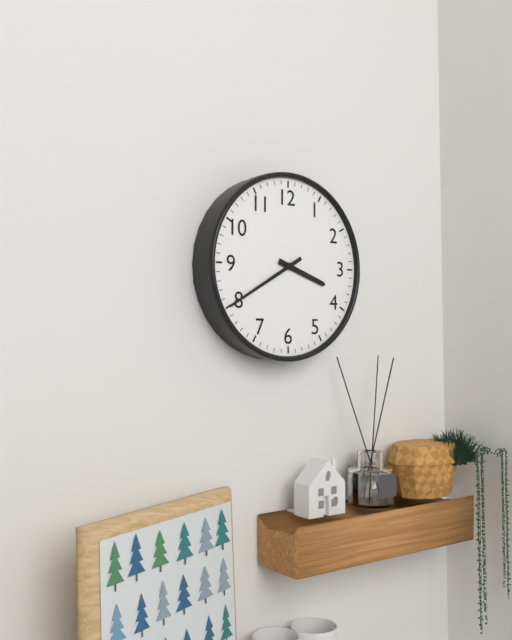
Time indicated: 3:40
